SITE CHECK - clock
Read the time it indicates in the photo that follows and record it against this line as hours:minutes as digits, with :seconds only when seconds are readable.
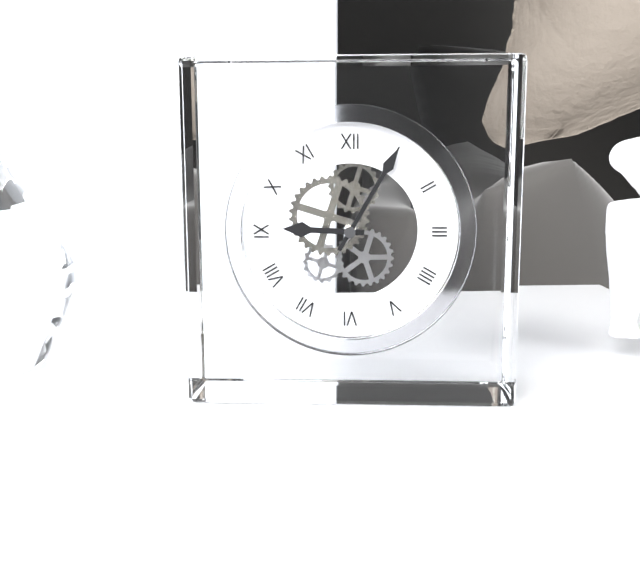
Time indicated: 9:05
